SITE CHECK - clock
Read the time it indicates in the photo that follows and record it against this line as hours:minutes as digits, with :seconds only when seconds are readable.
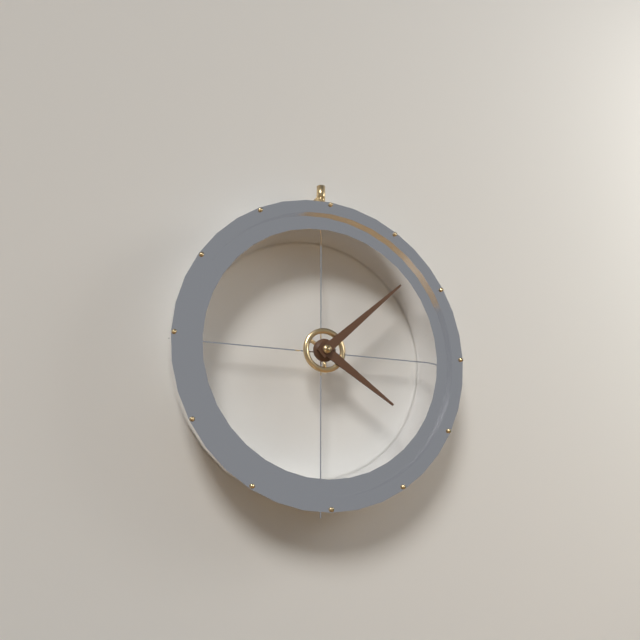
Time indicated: 4:08
